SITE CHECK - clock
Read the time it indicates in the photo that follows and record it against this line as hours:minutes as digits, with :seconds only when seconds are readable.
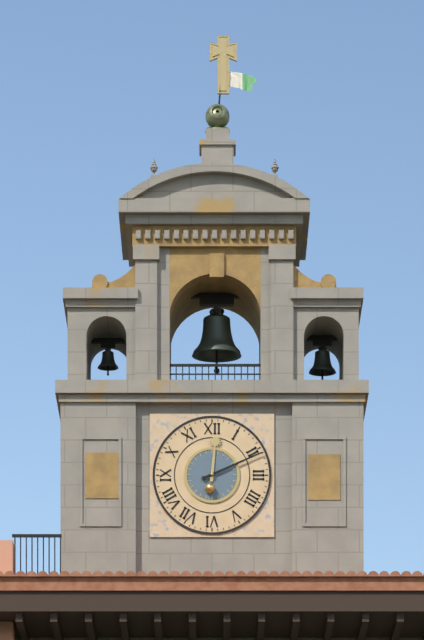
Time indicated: 12:11
